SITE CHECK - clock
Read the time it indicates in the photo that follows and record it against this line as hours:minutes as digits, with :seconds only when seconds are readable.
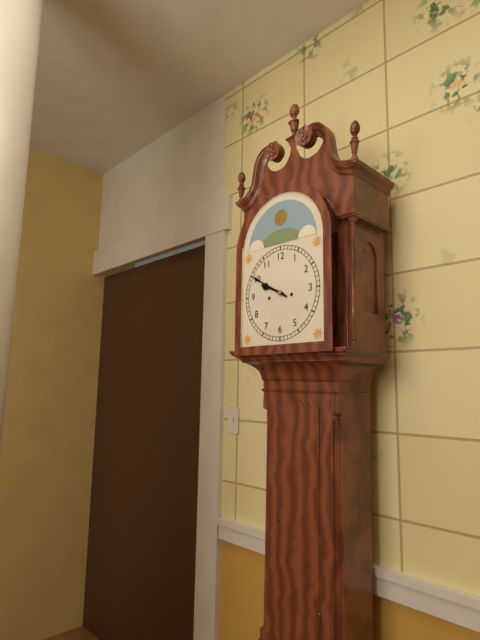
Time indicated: 9:50
